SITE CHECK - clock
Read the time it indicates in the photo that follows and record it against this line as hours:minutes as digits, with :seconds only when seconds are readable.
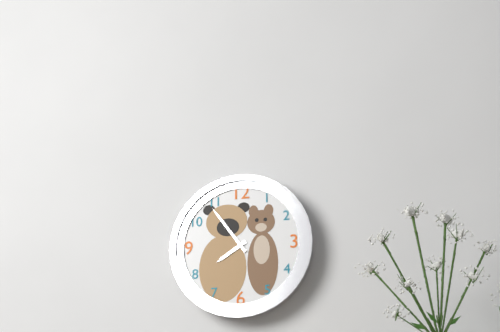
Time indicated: 7:54
